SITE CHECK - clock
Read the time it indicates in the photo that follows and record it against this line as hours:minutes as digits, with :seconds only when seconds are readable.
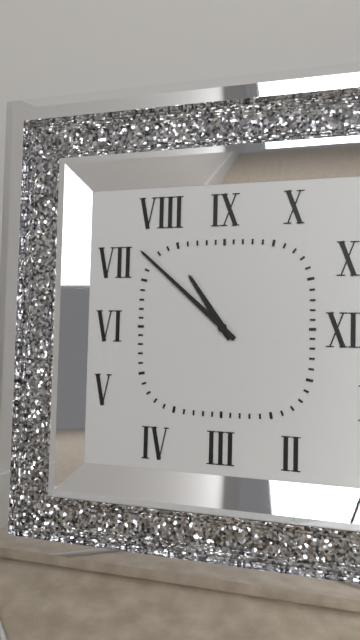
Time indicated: 10:52
